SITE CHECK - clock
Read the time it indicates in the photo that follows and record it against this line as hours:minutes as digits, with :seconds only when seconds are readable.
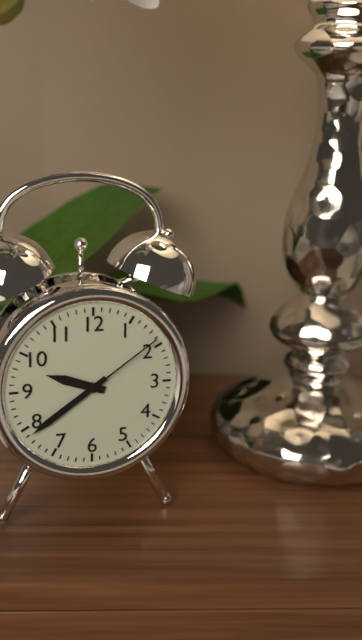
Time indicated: 9:39:09
